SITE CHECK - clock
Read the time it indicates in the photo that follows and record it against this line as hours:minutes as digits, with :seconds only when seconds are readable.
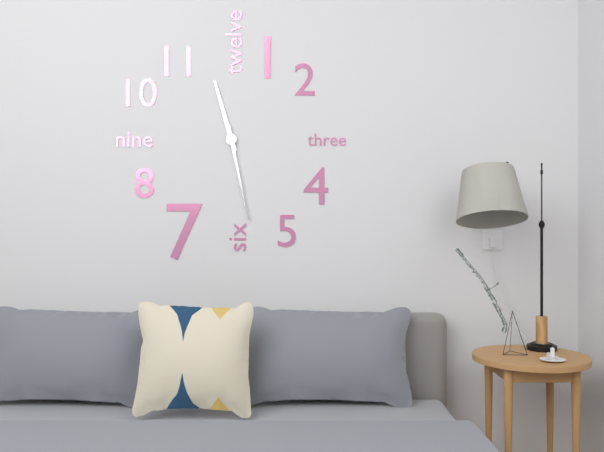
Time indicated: 11:28
